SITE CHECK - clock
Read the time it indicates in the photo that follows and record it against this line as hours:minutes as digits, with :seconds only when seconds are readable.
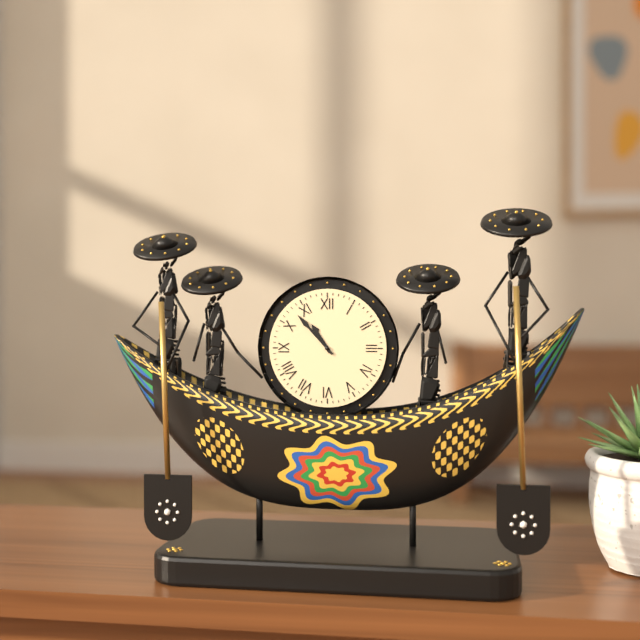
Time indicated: 10:53
